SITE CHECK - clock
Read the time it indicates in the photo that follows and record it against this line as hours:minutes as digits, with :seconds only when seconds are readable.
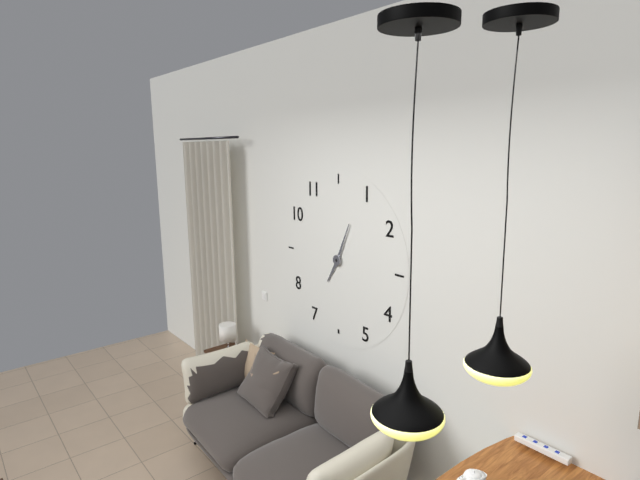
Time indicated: 7:04
